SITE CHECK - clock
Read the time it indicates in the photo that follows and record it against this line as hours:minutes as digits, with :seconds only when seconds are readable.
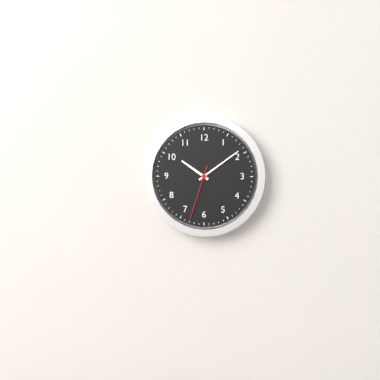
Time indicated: 10:09:33
